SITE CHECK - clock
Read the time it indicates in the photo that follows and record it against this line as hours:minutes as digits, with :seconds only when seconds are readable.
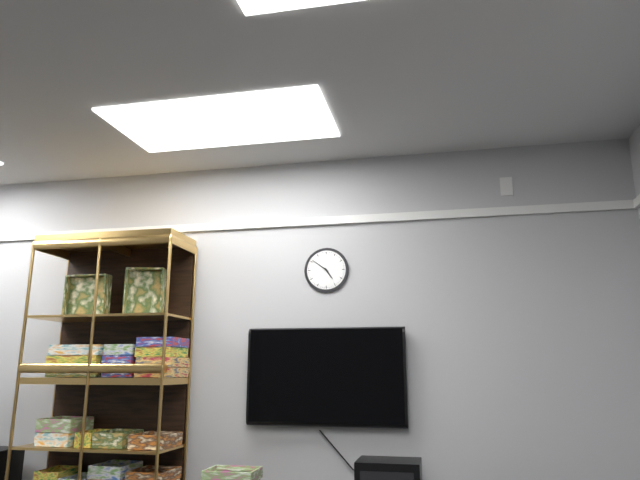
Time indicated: 4:51
